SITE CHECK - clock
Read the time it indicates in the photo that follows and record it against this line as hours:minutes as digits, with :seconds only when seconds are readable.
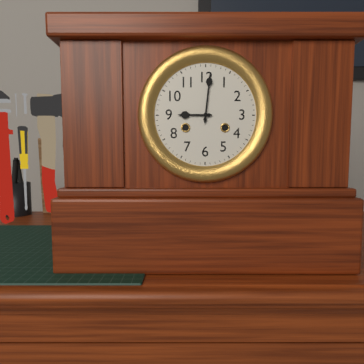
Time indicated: 9:01
